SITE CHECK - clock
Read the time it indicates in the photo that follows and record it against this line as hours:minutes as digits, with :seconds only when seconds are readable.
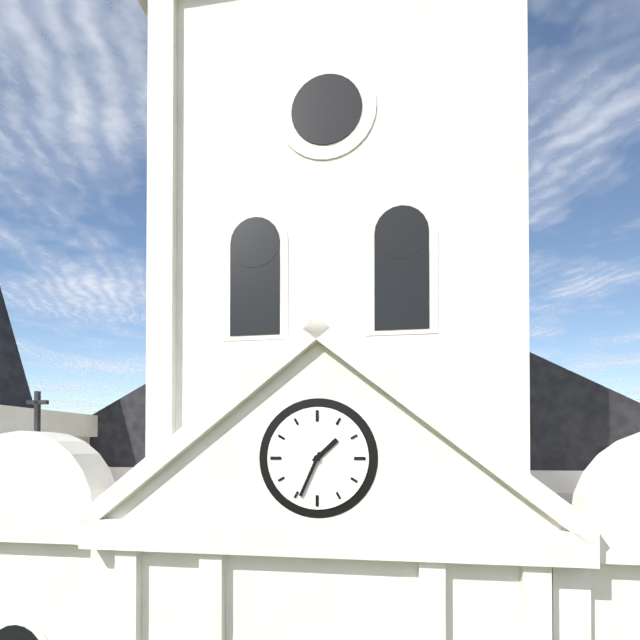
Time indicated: 1:34
